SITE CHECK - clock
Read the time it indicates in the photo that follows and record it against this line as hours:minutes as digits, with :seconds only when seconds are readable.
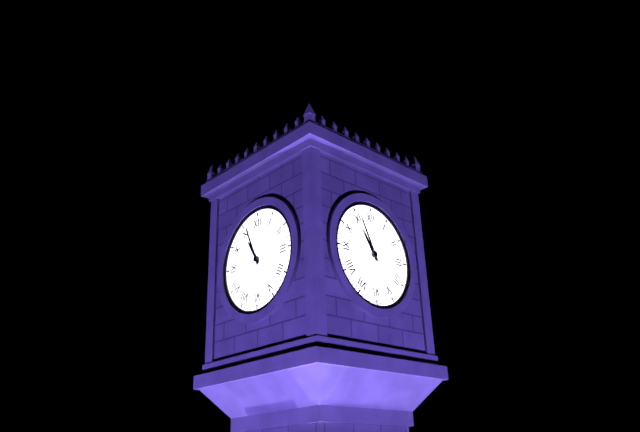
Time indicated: 10:56
